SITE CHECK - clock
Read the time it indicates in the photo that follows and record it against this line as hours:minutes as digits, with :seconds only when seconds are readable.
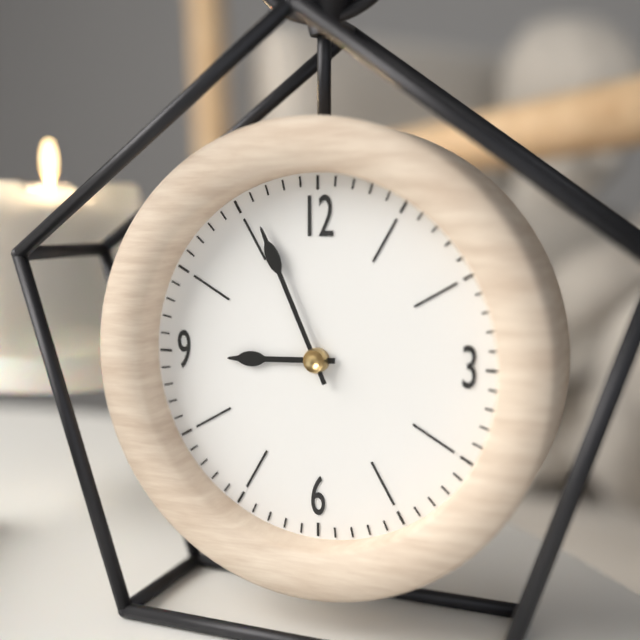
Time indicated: 8:56
